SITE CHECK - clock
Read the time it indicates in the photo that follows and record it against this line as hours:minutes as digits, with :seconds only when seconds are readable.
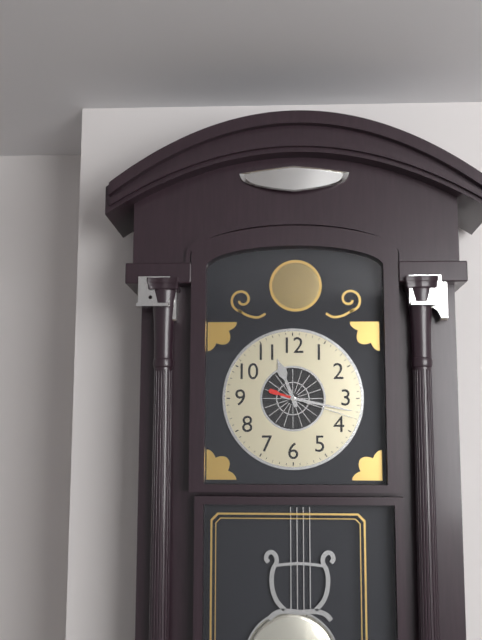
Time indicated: 11:17:18
